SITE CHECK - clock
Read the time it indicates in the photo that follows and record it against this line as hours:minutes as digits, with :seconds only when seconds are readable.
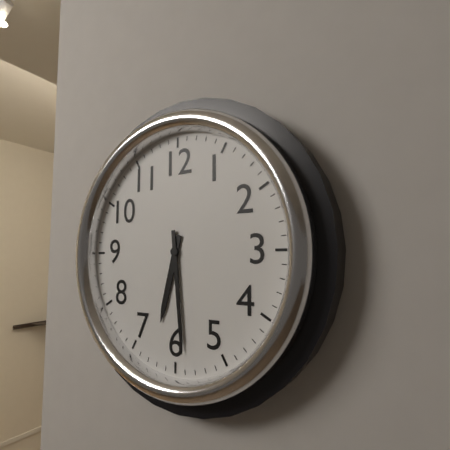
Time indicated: 6:29
